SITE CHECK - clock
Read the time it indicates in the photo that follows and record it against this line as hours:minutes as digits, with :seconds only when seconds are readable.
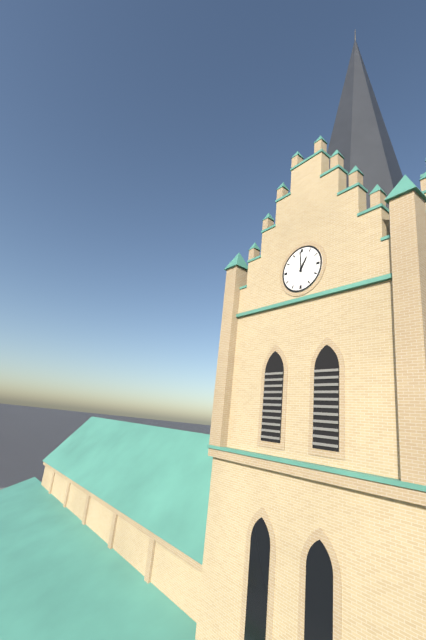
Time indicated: 12:59
